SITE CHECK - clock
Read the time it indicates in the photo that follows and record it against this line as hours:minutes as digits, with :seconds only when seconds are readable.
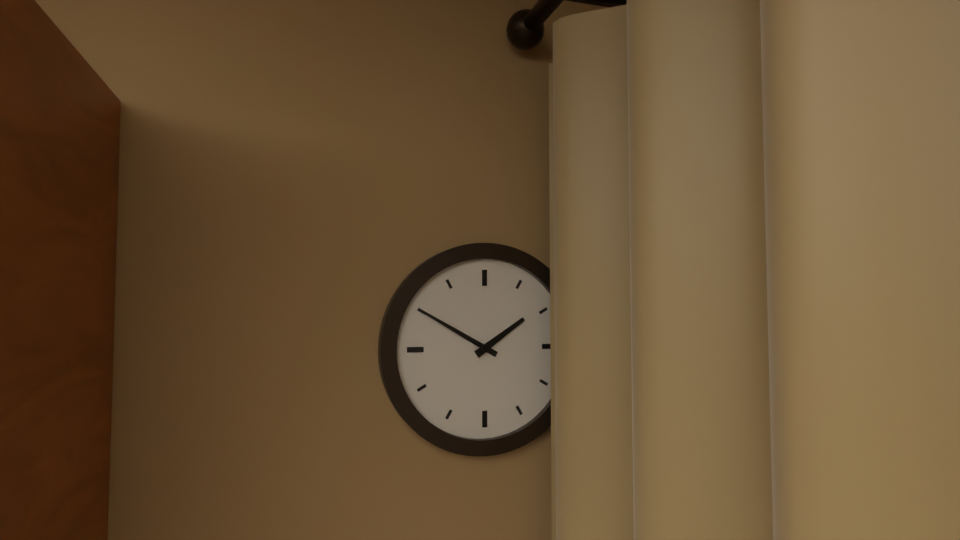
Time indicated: 1:50
